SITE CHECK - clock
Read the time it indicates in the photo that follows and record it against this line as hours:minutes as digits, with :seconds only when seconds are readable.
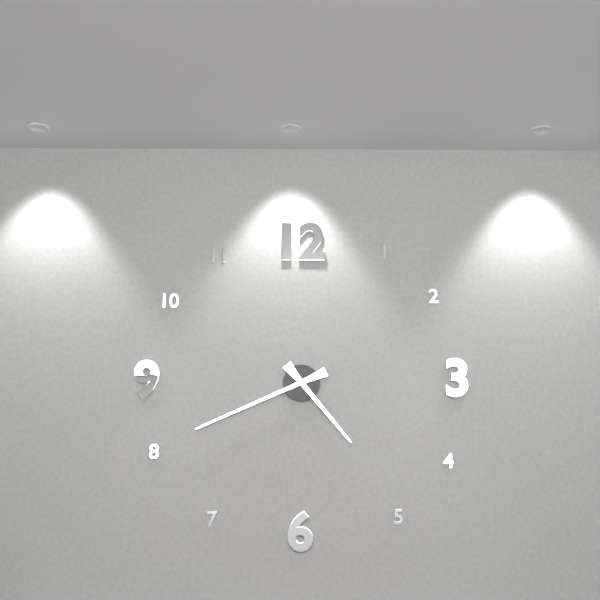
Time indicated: 4:41
